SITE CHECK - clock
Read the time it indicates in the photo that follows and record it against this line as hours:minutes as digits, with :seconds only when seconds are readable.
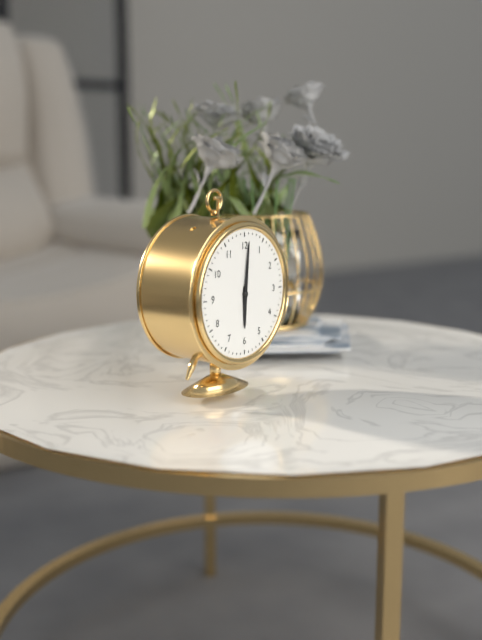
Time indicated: 6:01
